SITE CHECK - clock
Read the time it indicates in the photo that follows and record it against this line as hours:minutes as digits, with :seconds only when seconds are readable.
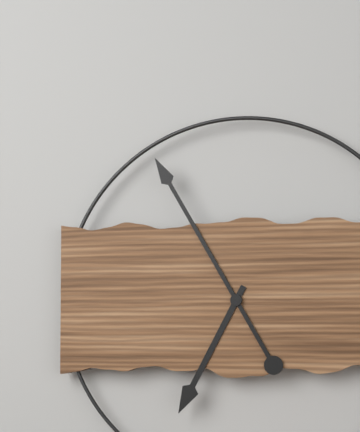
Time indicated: 6:55
